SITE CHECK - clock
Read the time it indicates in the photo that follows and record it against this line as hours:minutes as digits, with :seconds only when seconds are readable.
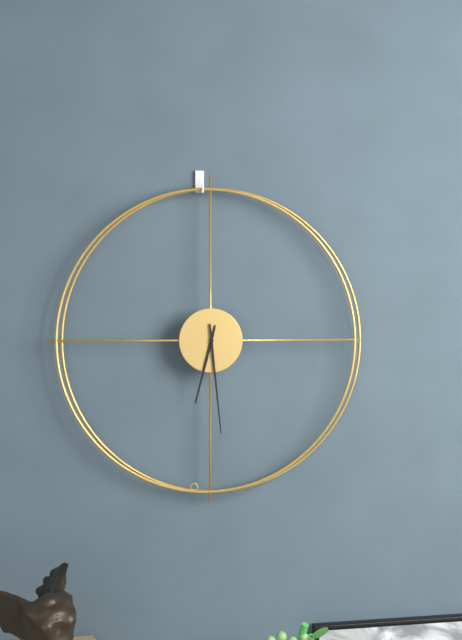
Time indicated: 6:29
